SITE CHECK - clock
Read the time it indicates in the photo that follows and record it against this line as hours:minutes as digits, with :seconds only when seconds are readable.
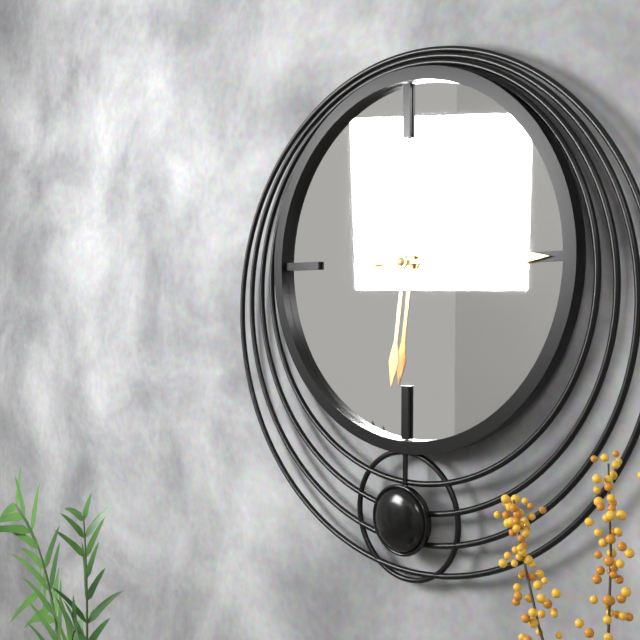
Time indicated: 6:15
